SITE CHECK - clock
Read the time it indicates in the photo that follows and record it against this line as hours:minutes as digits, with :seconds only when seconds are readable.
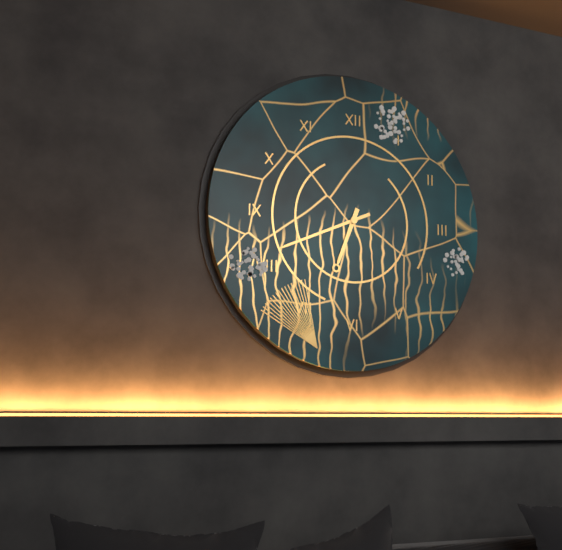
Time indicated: 6:41
